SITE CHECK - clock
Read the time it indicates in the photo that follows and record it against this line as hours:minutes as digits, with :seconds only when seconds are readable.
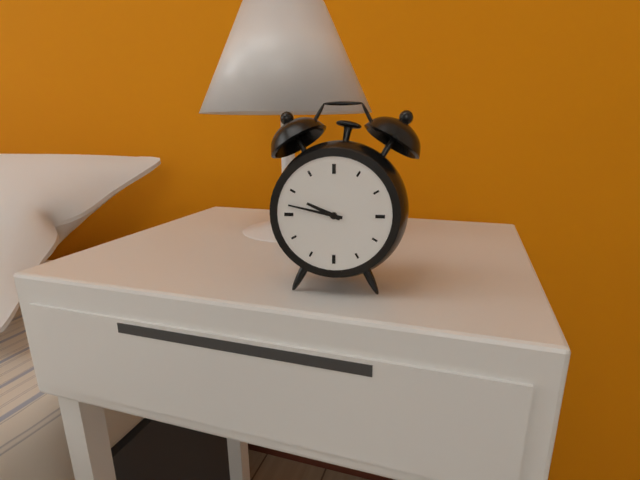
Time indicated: 9:47
